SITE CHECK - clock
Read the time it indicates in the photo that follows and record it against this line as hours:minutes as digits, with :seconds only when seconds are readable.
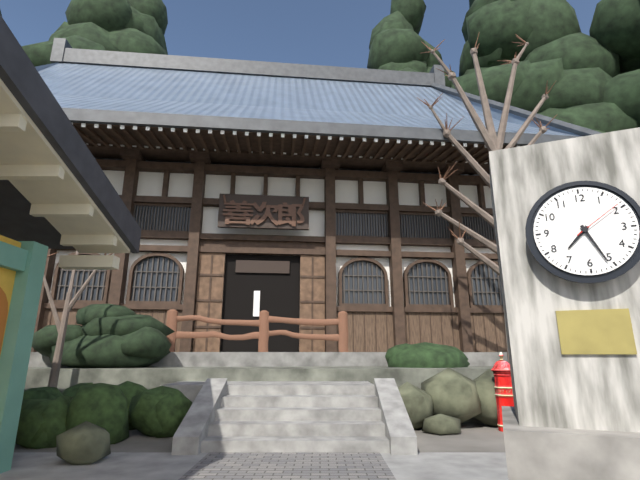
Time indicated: 7:26:09
